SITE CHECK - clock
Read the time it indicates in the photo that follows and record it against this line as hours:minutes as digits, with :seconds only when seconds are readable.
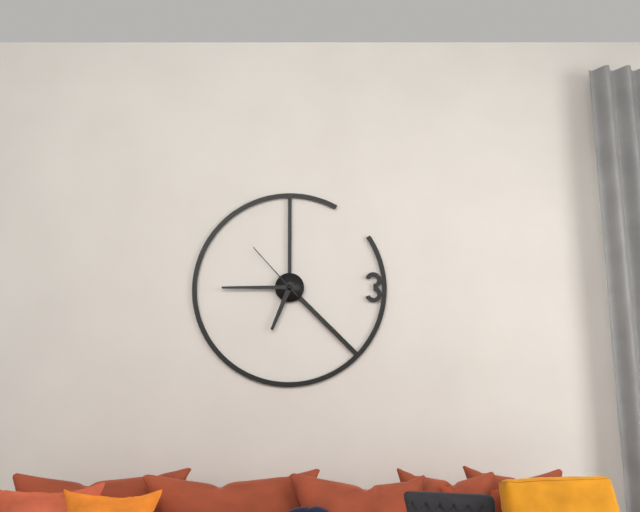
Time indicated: 6:45:53
